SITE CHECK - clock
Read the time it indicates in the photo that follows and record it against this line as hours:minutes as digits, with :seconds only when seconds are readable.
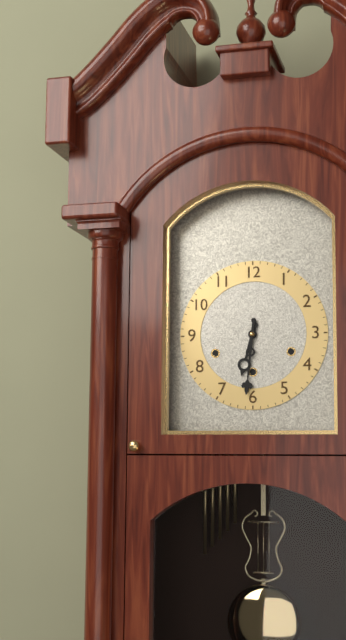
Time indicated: 6:31
